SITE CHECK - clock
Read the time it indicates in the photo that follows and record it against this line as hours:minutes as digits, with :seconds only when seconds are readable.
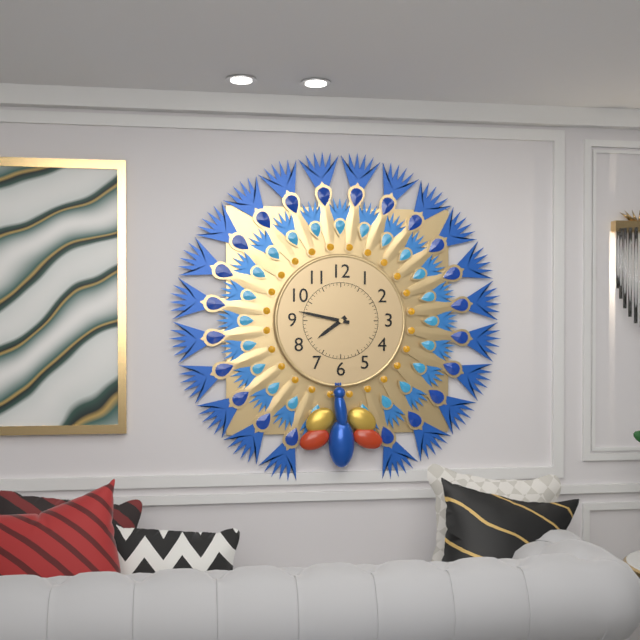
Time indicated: 7:47
